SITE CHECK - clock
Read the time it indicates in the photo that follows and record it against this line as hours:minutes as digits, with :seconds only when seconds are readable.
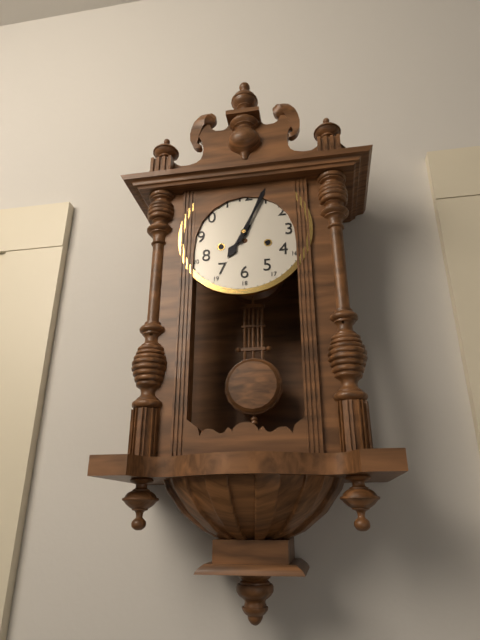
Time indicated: 7:04
